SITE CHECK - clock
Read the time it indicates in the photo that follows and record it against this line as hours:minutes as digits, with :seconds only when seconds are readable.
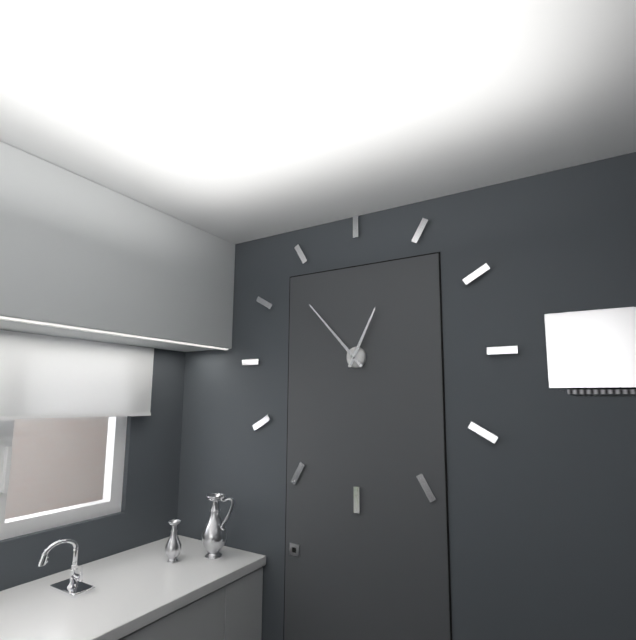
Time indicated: 12:53
